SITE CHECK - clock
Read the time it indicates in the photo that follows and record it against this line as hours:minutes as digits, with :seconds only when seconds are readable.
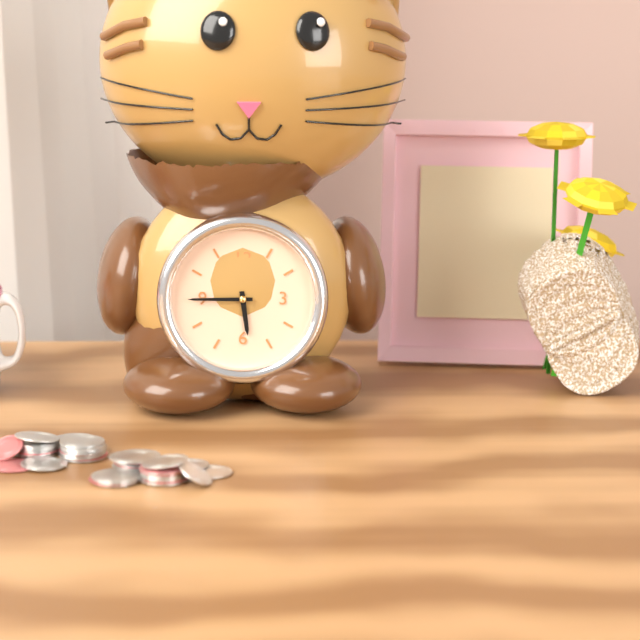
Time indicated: 5:45
